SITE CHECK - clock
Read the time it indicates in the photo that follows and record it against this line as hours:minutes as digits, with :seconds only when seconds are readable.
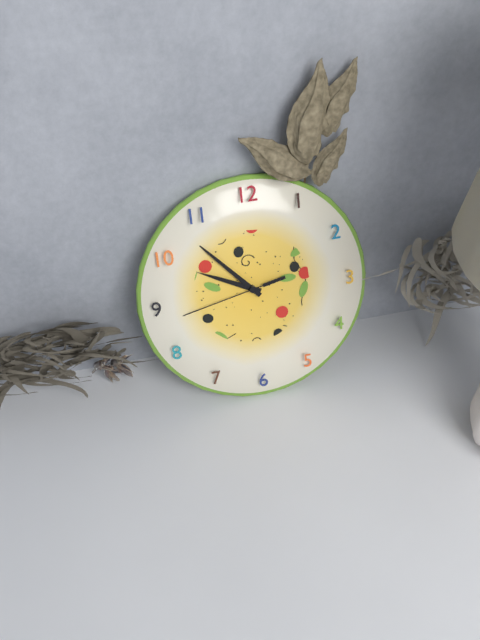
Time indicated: 9:53:43
